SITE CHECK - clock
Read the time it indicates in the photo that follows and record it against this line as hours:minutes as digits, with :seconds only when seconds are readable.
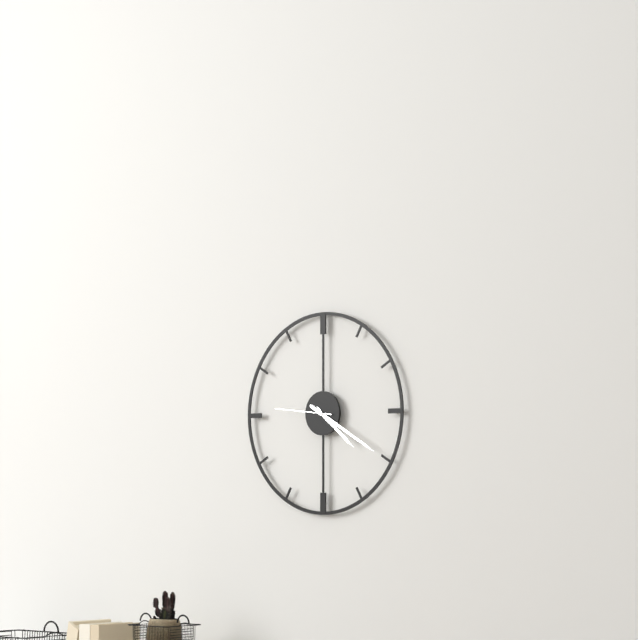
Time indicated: 4:20:46
